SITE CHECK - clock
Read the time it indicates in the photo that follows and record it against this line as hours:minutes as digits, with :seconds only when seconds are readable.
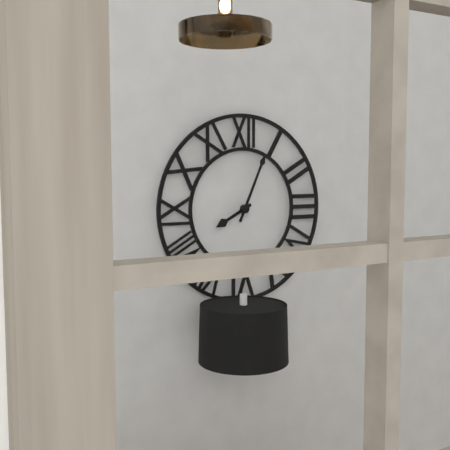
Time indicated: 8:04
